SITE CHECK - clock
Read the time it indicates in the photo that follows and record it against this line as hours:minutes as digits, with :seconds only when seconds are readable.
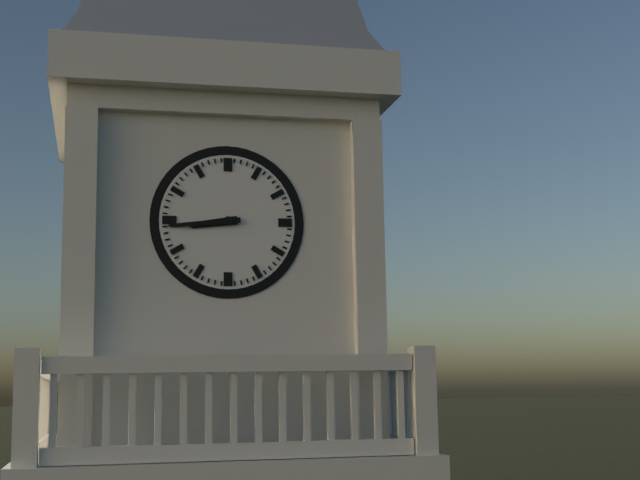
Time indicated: 8:44
